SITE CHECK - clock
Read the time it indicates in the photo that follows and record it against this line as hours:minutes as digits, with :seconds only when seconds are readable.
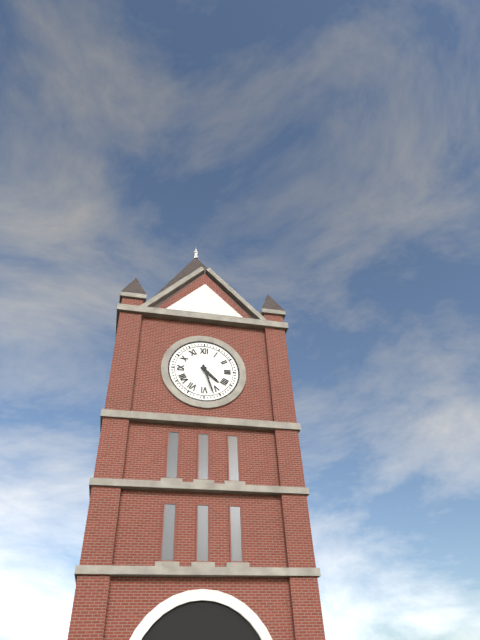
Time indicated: 4:27
